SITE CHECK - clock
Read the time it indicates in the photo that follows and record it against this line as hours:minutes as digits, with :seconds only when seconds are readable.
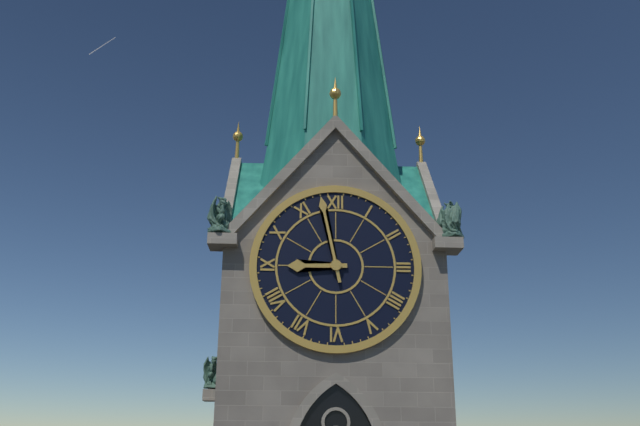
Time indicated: 8:58
